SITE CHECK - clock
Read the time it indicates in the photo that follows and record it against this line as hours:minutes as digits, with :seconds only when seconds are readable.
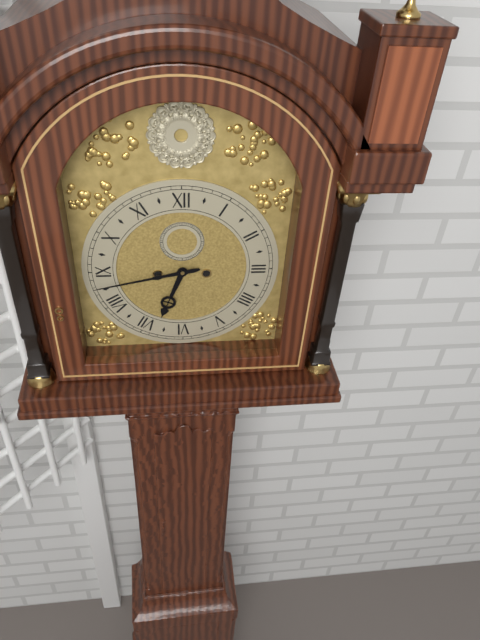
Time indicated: 6:43
